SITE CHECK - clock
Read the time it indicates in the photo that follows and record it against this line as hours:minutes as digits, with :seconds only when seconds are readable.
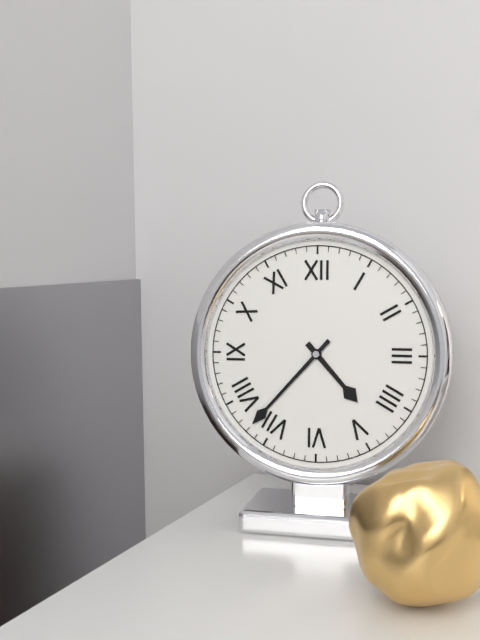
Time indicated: 4:37
